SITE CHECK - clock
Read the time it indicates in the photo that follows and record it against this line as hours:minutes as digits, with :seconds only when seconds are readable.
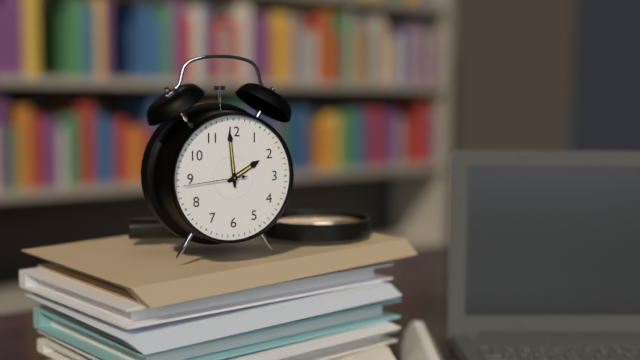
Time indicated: 1:59:44
